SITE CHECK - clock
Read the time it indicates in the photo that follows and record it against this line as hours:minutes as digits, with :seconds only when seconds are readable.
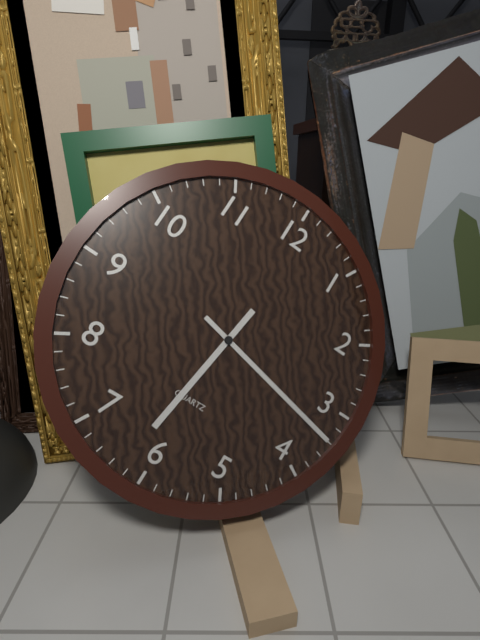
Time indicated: 6:17
